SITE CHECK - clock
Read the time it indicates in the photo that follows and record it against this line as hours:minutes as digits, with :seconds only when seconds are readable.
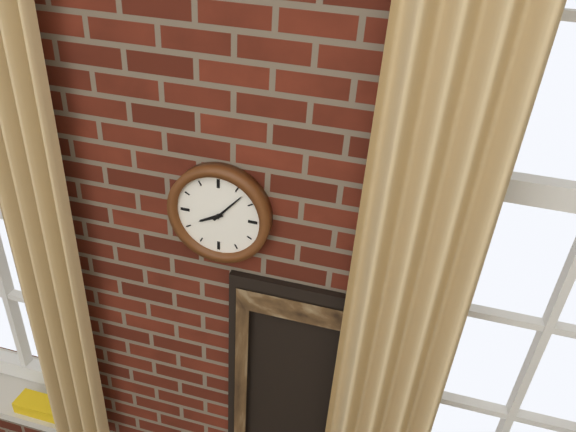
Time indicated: 8:07
